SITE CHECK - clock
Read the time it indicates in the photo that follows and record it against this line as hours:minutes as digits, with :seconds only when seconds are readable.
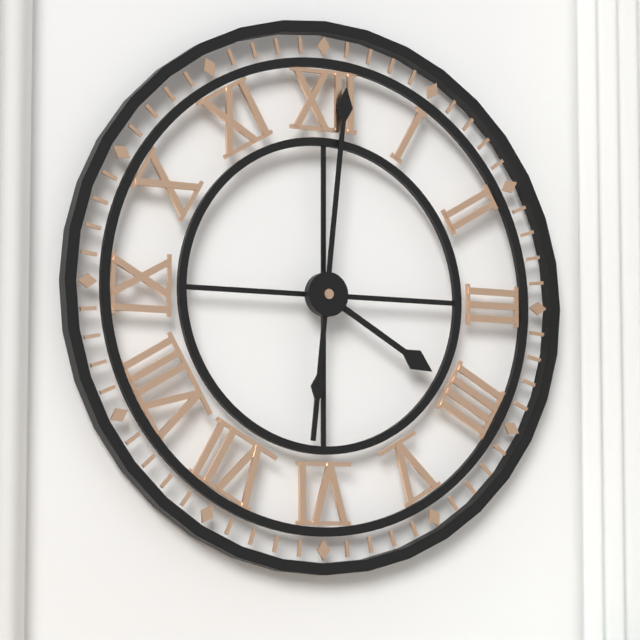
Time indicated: 4:01
